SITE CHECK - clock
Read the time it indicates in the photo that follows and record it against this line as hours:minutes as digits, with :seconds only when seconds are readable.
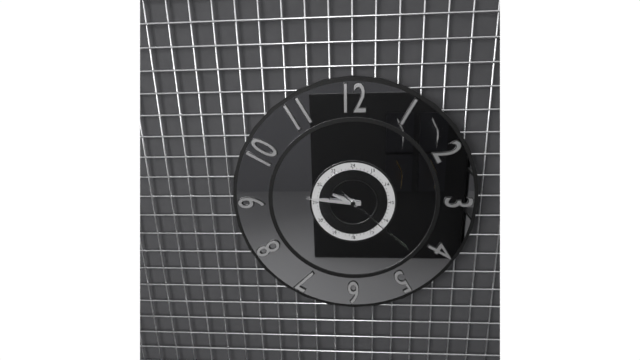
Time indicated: 9:46:22
